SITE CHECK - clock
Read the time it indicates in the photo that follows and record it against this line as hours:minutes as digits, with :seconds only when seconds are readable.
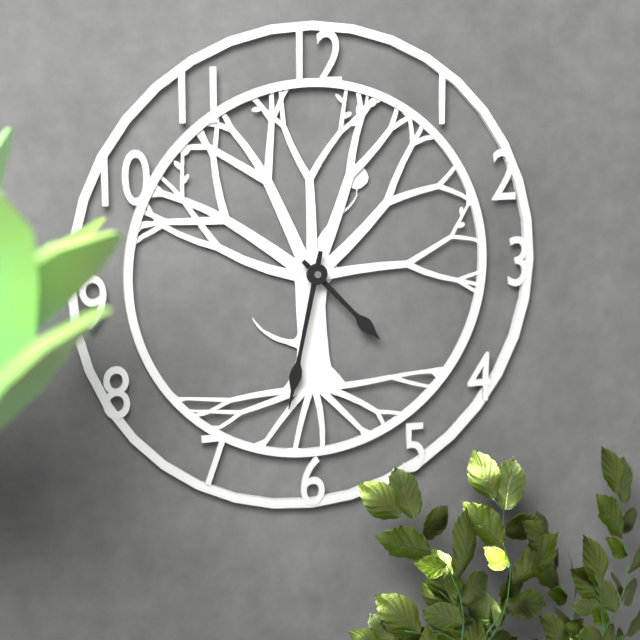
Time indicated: 4:32
